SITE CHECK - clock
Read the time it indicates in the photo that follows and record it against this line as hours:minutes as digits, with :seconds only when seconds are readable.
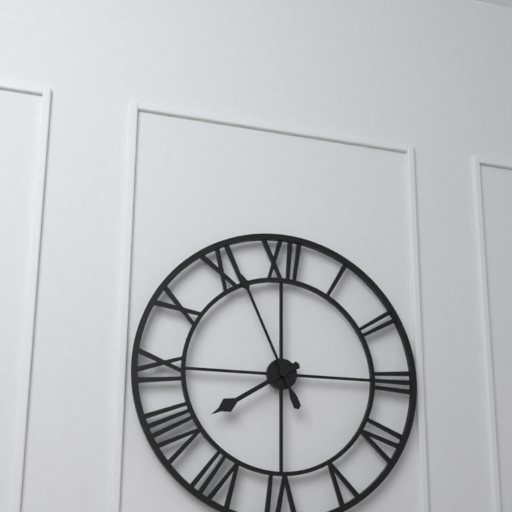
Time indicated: 7:56
